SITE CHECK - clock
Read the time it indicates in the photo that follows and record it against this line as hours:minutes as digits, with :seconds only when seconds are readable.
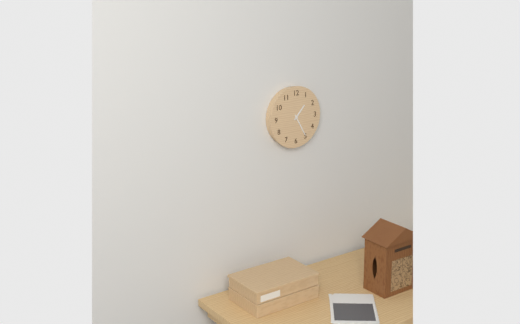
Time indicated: 1:25
